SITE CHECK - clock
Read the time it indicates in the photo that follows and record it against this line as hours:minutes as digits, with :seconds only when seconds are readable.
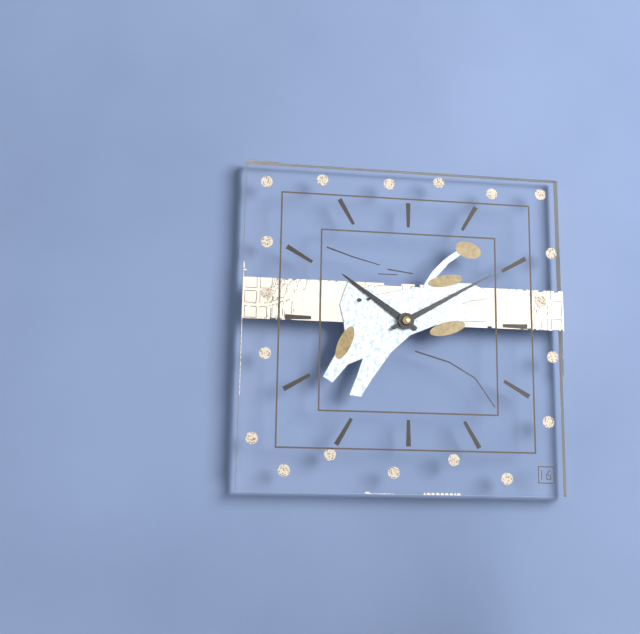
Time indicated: 10:10
